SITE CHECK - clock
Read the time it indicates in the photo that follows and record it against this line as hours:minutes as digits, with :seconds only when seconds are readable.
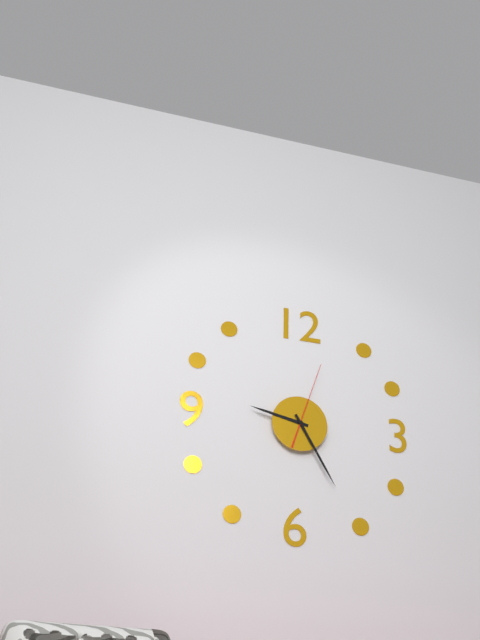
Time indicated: 9:25:03
